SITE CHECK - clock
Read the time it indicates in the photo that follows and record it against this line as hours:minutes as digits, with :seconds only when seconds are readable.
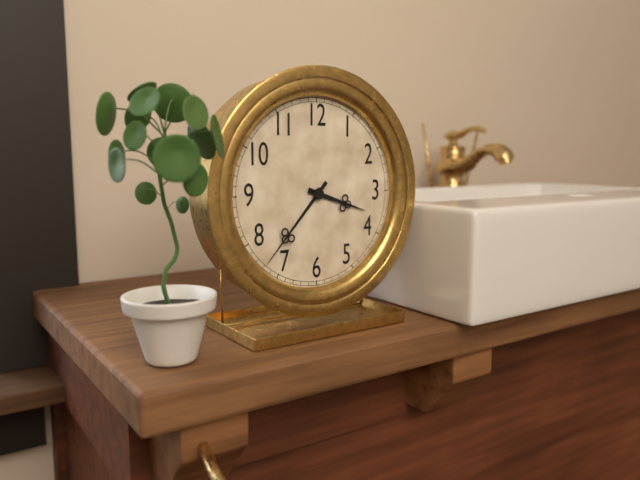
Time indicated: 3:37
